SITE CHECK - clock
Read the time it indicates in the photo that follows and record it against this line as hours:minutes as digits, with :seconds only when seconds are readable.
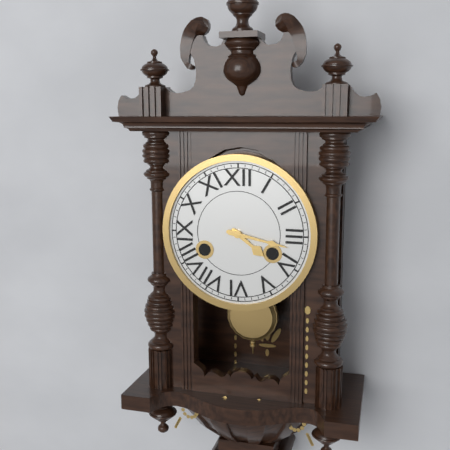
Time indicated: 4:17
